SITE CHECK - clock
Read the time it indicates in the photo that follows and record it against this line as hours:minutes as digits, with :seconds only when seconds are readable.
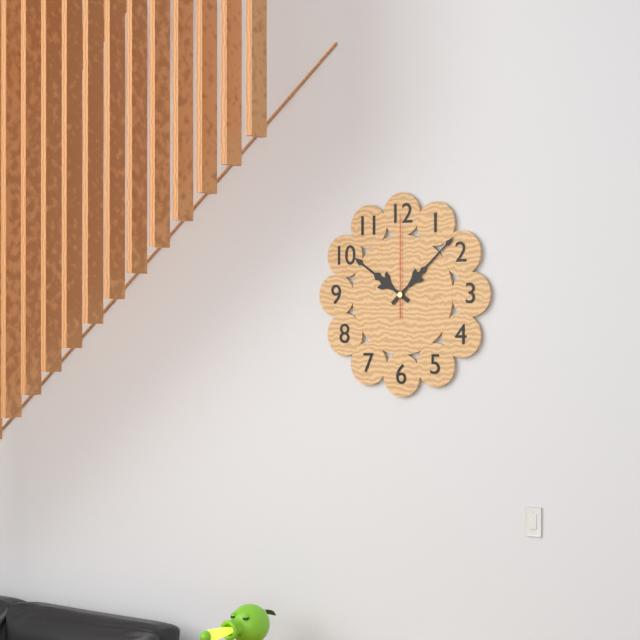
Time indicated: 10:08:00
